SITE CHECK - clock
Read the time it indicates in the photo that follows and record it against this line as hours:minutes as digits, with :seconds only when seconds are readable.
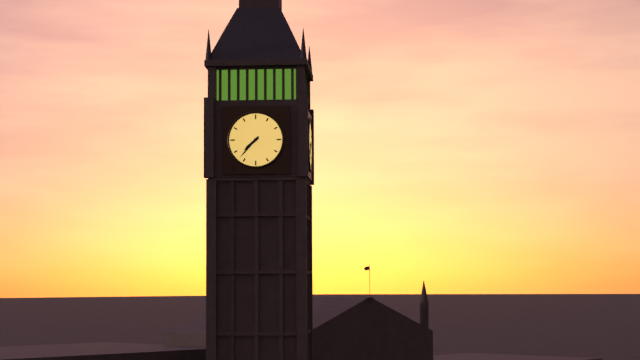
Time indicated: 7:37
